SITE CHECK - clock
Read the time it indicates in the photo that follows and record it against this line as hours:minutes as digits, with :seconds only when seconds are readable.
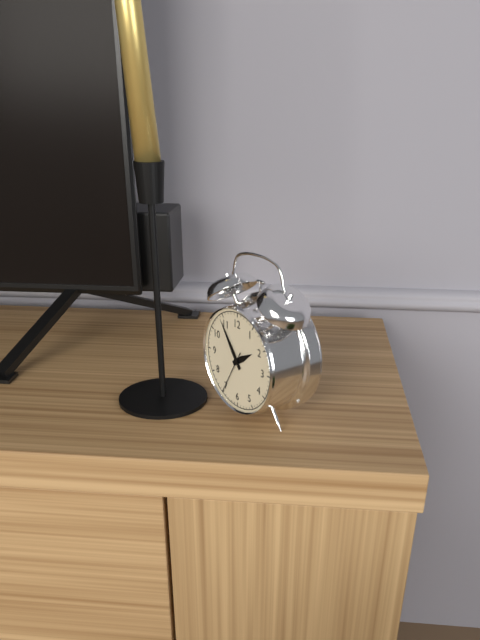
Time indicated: 1:54
